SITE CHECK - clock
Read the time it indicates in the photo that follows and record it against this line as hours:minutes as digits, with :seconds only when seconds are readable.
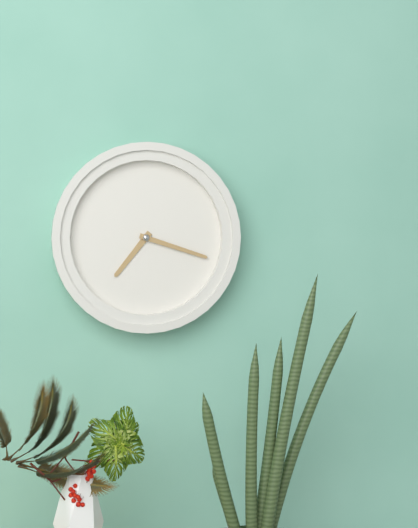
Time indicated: 7:18
